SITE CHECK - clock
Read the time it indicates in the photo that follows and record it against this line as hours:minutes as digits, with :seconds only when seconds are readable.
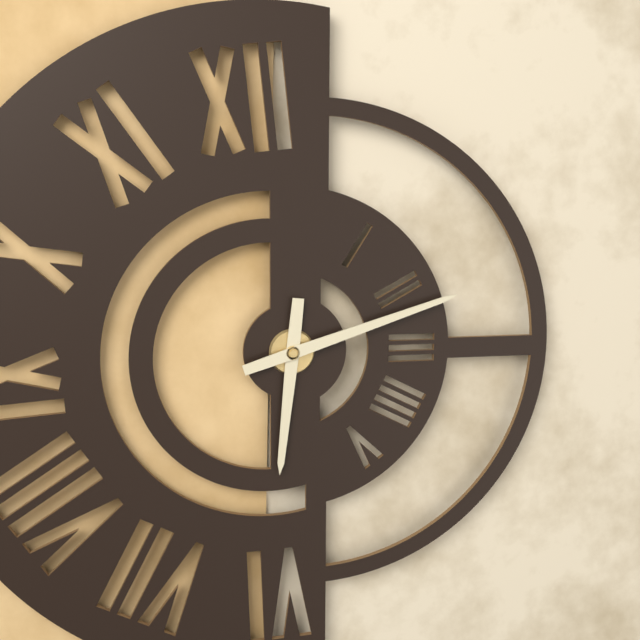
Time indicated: 6:12
